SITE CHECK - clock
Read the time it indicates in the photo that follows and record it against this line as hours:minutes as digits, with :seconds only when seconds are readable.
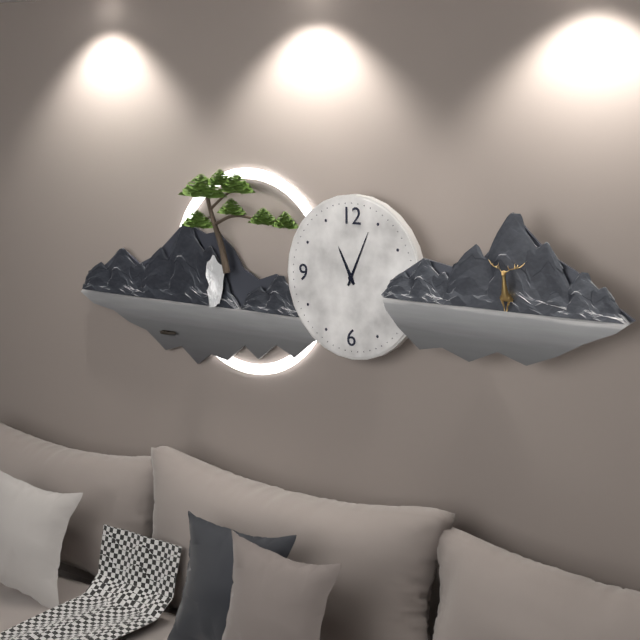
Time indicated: 11:04
